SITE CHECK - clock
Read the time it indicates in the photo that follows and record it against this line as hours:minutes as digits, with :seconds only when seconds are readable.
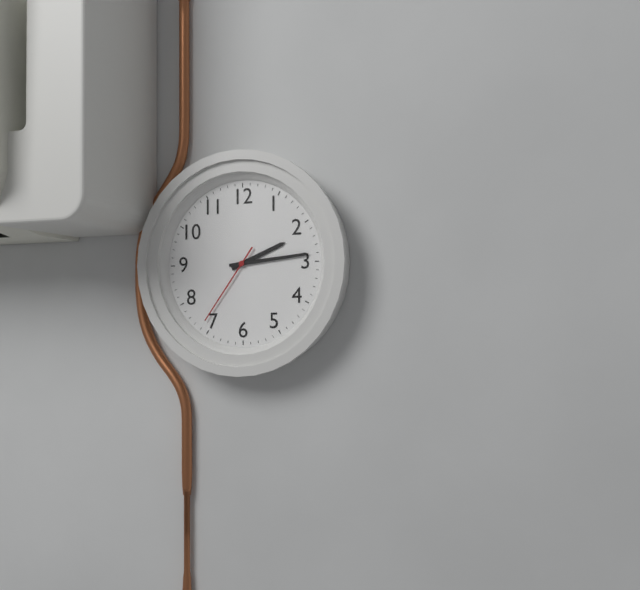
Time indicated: 2:14:36
